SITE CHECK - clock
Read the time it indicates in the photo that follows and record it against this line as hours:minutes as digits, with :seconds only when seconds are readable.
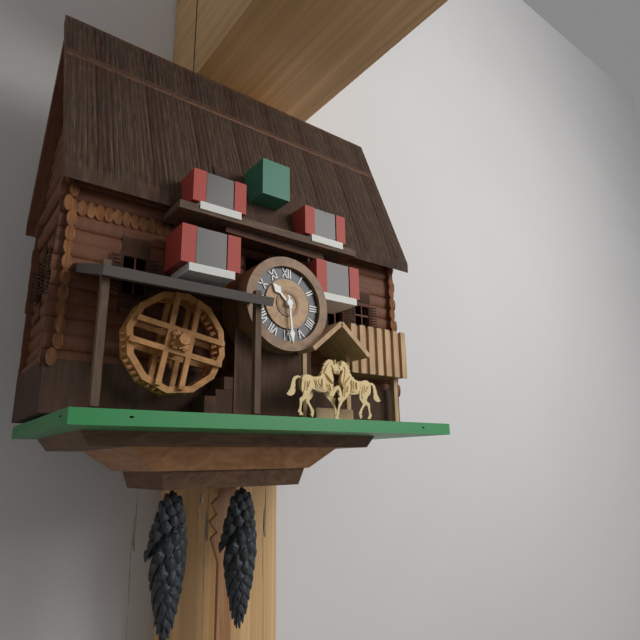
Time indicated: 10:29
